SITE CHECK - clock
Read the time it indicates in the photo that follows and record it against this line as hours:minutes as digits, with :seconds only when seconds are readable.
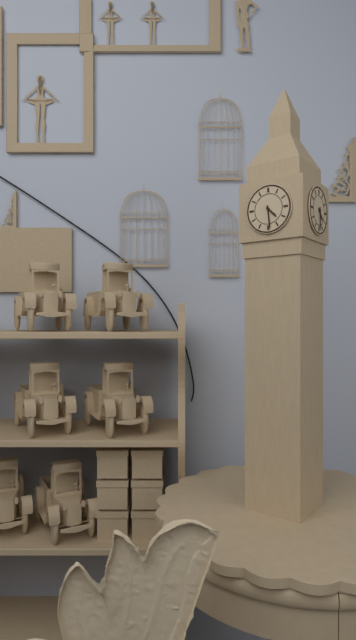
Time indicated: 4:29
